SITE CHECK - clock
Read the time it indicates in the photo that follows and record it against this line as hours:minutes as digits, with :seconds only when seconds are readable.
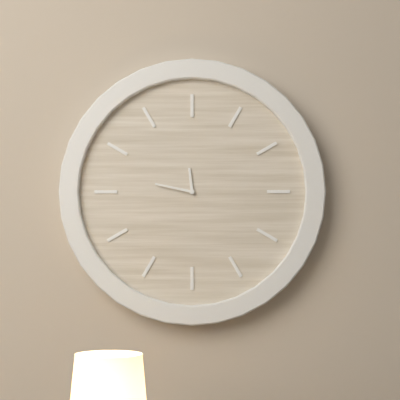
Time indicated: 11:47
